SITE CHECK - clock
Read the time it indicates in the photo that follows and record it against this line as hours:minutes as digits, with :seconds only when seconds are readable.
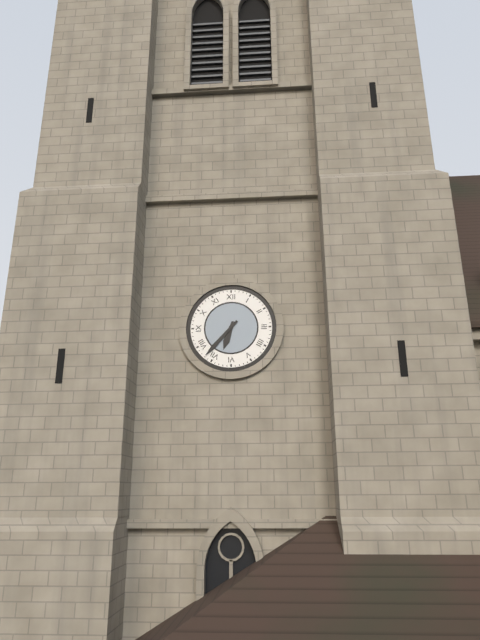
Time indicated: 6:37
